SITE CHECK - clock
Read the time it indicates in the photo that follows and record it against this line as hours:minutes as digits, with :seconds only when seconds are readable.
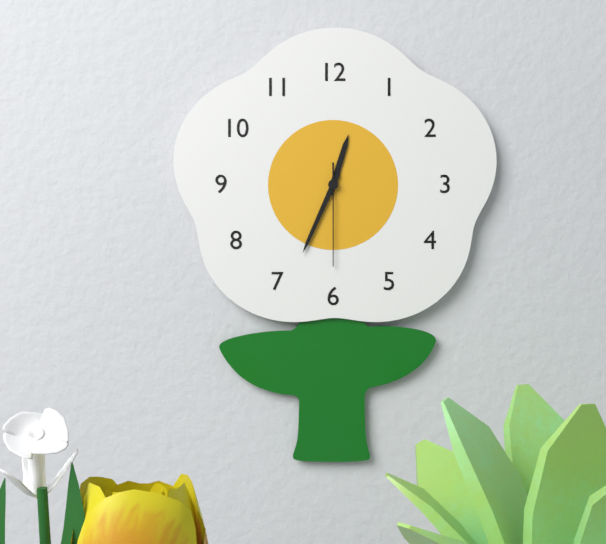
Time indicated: 12:34:30
